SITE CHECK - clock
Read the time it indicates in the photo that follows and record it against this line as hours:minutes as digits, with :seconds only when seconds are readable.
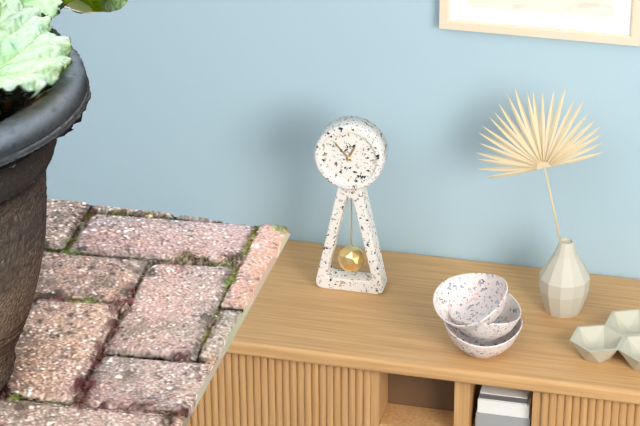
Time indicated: 12:53
